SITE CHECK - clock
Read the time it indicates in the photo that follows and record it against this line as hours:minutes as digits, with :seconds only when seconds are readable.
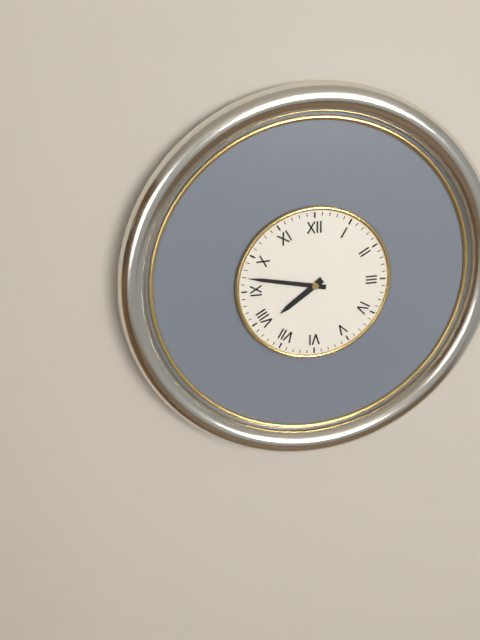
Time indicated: 7:47
